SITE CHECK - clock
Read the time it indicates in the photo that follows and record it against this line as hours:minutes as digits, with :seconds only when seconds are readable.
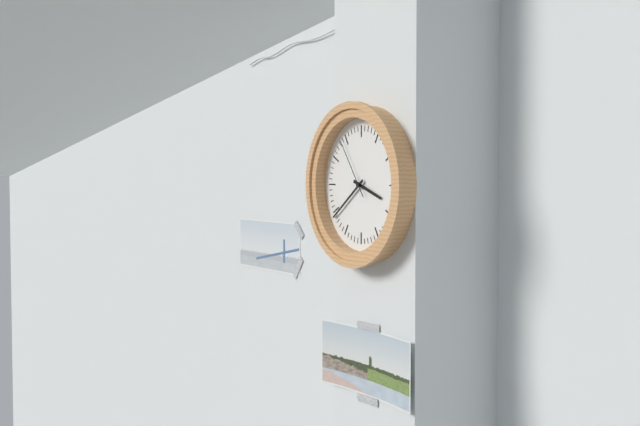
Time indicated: 3:39:54
